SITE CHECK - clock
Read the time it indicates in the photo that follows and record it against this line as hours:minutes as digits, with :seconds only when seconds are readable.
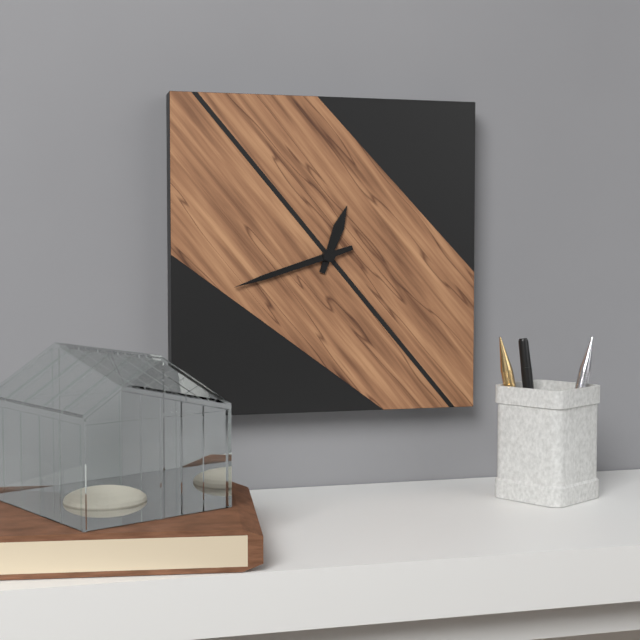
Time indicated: 12:42
